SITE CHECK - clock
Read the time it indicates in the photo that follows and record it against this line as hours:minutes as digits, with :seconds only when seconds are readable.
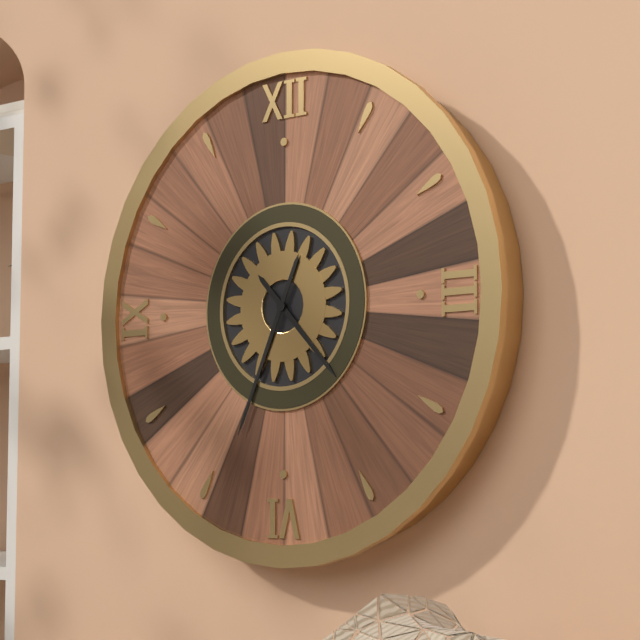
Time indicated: 4:34
